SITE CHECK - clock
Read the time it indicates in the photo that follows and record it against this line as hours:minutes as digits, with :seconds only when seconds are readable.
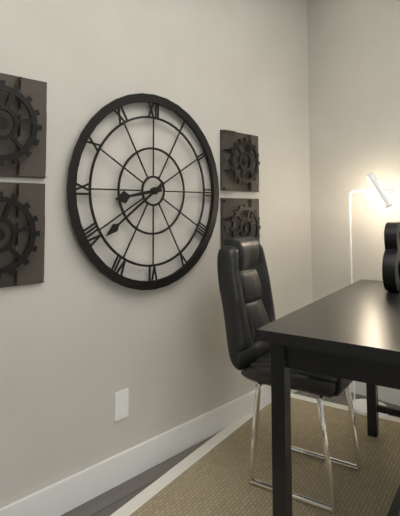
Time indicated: 8:39
